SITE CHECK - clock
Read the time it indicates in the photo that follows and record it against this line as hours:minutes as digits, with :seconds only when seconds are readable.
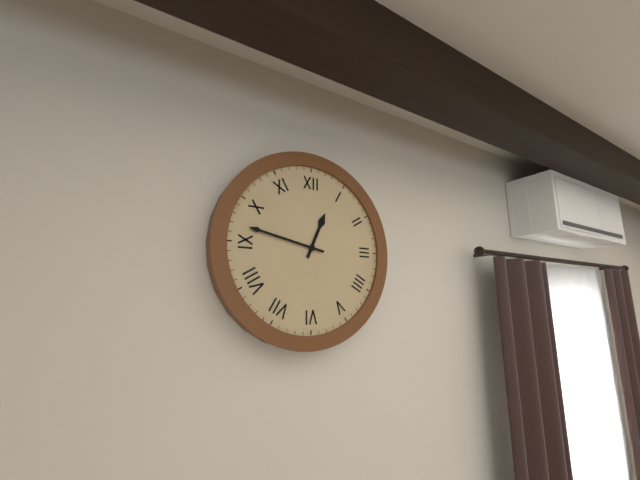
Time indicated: 12:47
